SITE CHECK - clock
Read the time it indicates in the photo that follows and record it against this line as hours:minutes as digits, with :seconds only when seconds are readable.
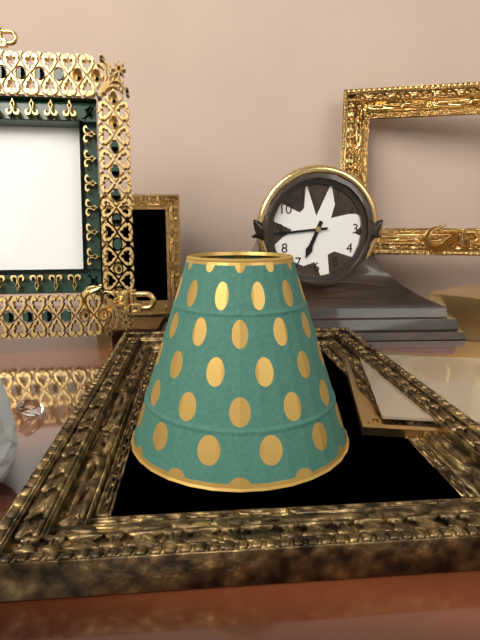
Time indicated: 6:44
